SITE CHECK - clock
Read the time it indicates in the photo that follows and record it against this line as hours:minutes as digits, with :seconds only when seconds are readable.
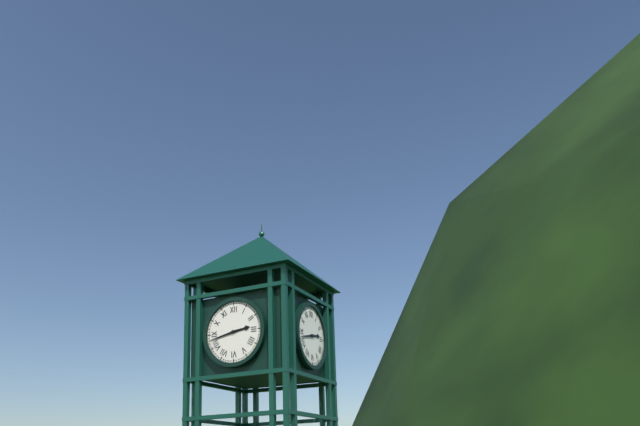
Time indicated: 2:43
